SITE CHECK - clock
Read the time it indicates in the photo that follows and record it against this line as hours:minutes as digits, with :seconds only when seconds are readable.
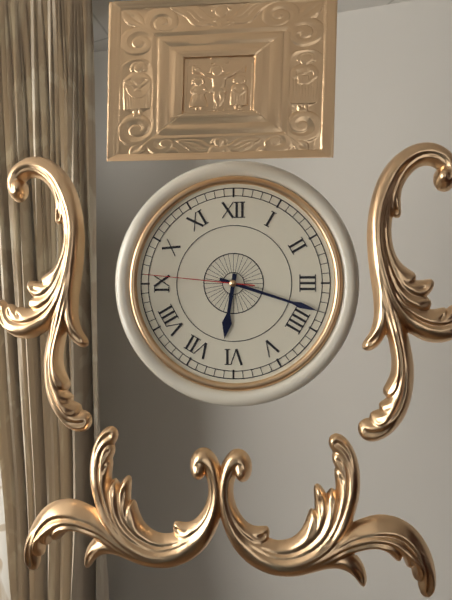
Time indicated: 6:18:46
